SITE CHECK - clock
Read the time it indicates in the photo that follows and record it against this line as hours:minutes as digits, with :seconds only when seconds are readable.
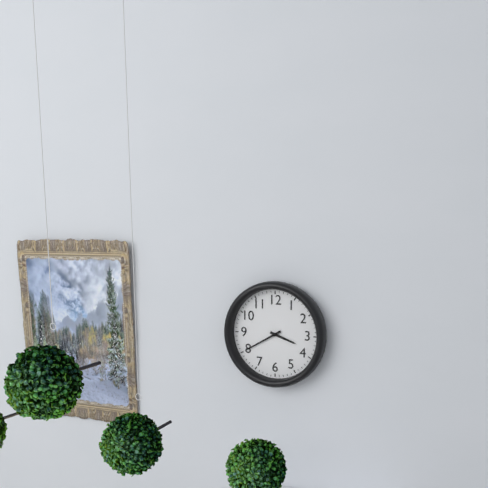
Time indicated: 3:40
